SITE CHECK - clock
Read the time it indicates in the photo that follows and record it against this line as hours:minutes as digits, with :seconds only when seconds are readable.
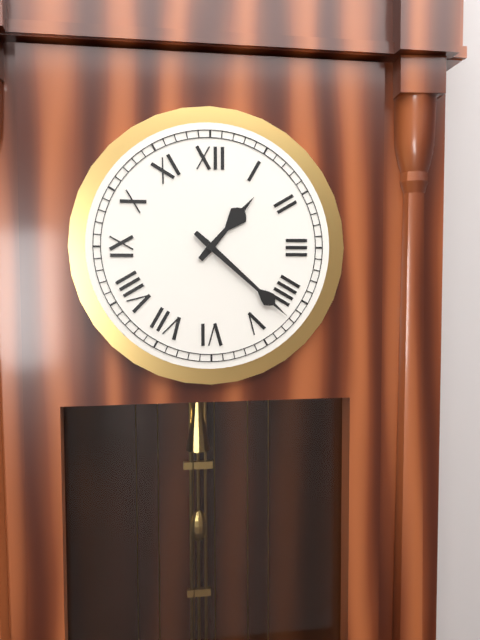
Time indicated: 1:22
